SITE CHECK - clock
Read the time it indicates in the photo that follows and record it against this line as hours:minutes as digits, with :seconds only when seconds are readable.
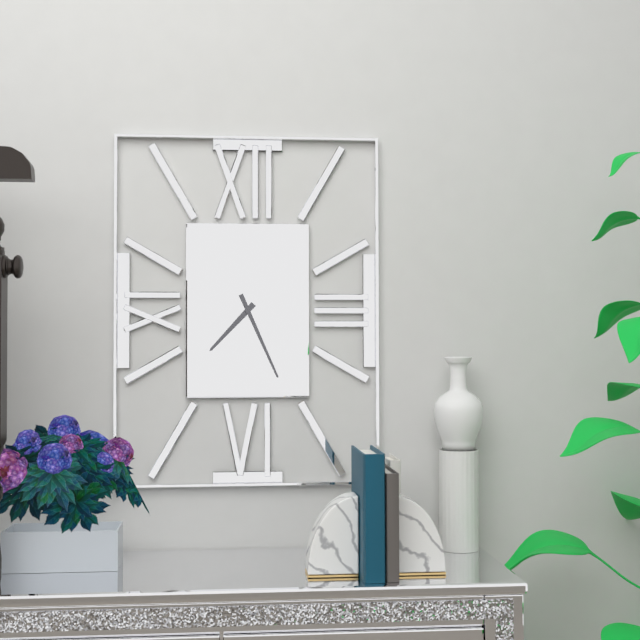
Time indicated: 7:26
